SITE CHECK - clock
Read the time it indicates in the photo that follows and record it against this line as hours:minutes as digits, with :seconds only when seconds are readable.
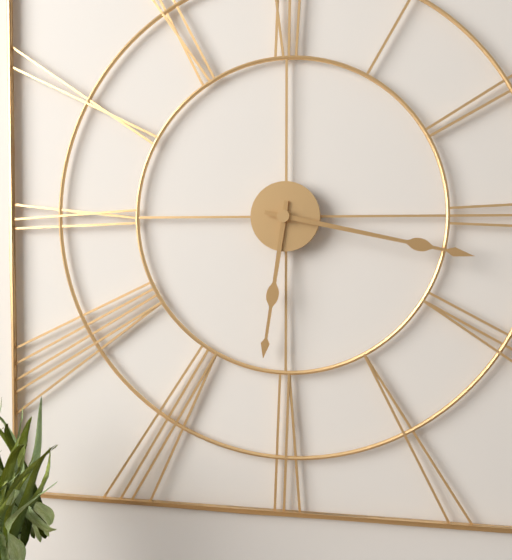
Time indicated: 6:17
